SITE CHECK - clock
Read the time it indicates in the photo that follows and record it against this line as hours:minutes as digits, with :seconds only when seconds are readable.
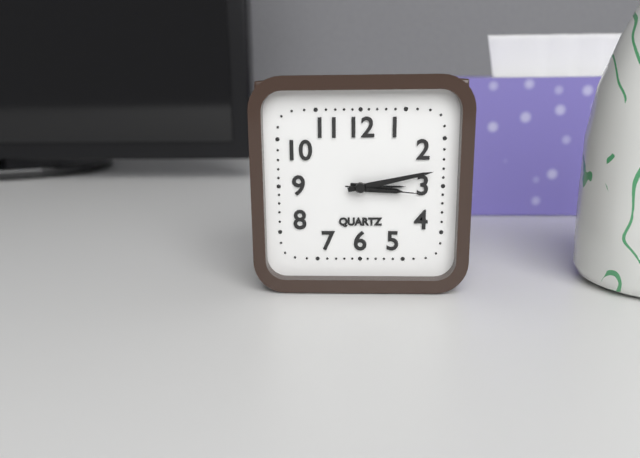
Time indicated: 3:13:16
